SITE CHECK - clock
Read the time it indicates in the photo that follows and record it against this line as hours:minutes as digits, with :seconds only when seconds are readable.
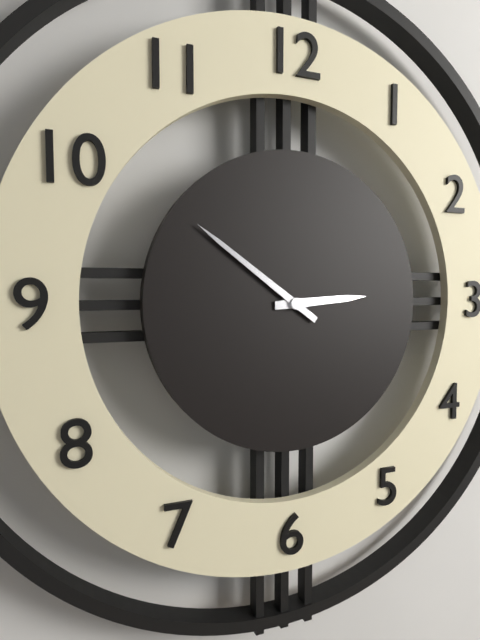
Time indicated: 2:51
